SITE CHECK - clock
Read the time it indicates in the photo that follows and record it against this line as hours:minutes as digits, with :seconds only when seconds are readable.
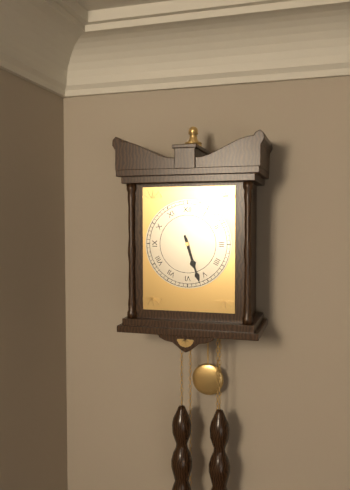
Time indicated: 5:27
